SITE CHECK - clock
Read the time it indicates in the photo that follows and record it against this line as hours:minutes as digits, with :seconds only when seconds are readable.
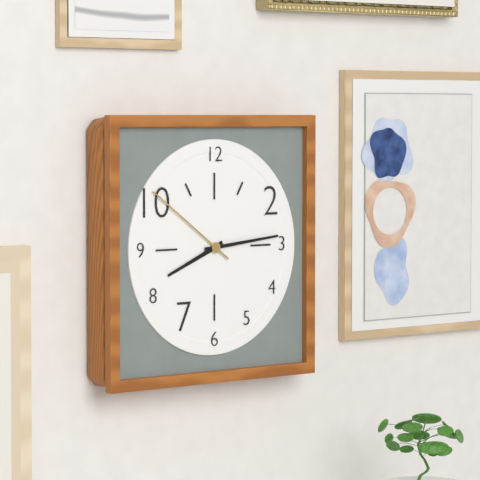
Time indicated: 8:14:51
